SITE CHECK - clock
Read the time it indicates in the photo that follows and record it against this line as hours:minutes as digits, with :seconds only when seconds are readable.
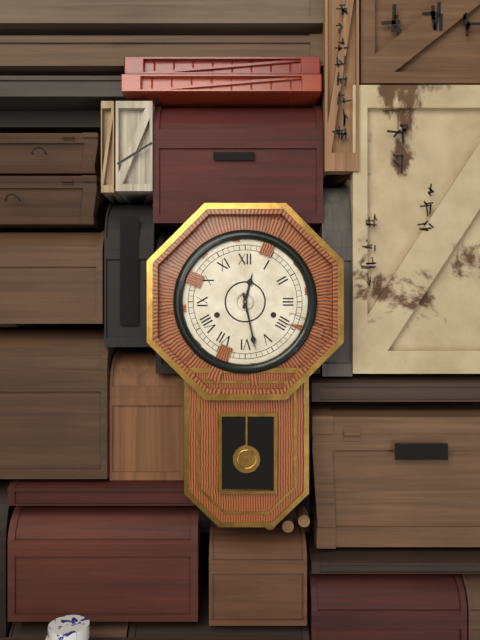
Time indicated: 12:28
